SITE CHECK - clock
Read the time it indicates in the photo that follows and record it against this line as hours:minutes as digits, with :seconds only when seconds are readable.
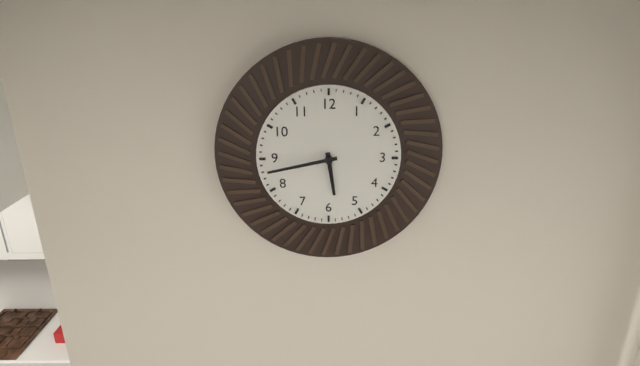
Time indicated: 5:43
